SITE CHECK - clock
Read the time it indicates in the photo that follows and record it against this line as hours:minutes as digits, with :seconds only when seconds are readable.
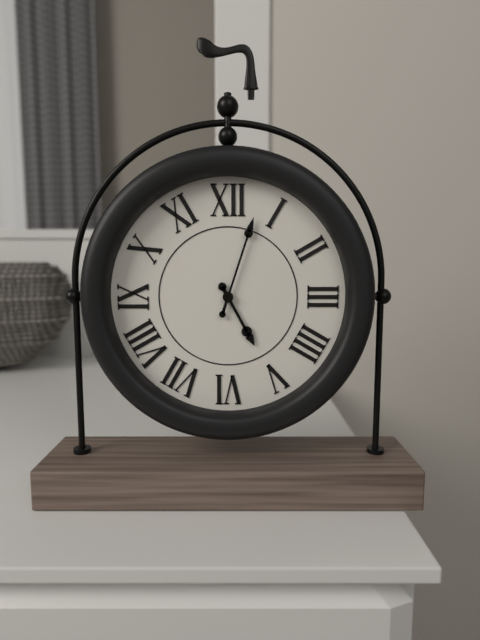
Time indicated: 5:03
